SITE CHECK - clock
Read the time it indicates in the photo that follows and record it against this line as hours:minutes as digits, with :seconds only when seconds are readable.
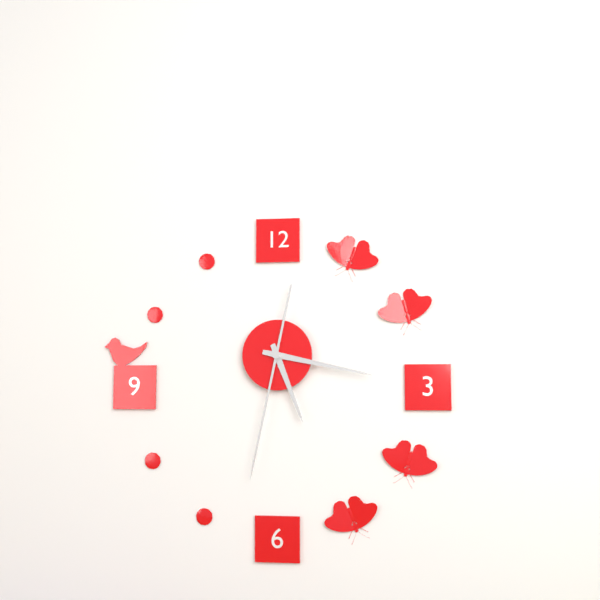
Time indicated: 5:17:32
